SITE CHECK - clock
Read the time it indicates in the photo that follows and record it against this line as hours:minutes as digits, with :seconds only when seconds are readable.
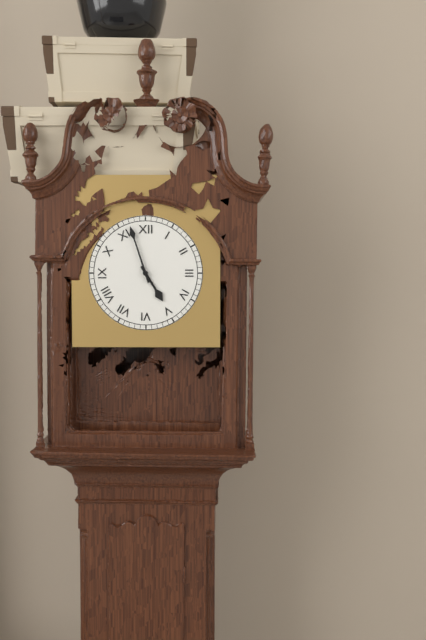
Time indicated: 4:57
